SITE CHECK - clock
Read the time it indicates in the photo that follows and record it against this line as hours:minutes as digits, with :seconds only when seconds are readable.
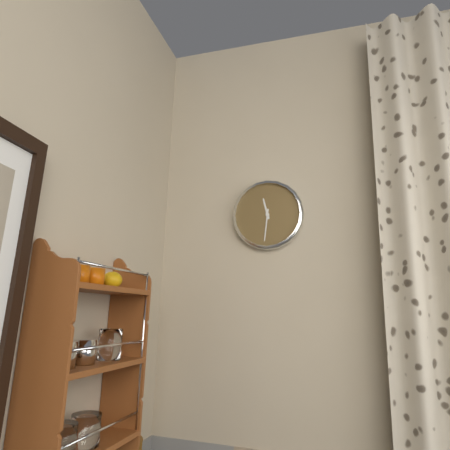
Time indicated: 11:31
